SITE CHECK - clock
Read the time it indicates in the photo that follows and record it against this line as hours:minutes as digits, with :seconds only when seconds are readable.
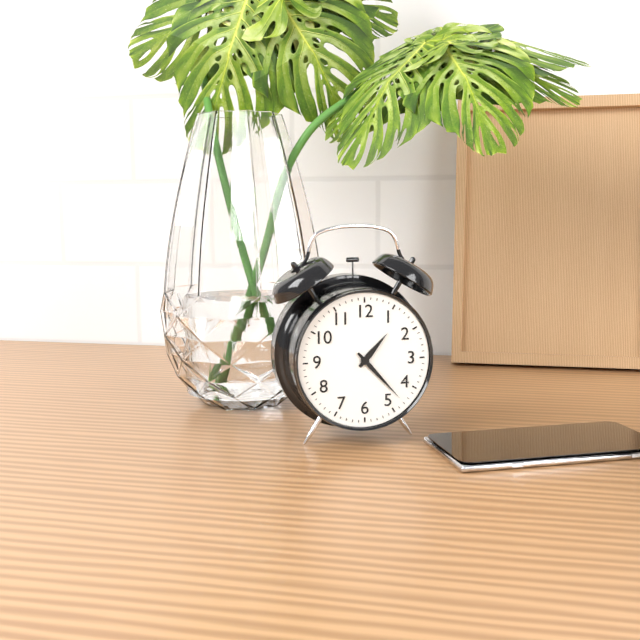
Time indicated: 1:23
